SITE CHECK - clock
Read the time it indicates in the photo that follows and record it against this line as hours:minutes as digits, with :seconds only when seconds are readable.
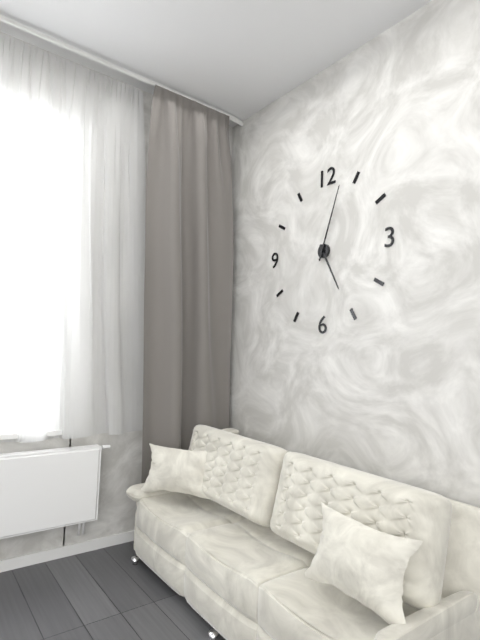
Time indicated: 5:03
